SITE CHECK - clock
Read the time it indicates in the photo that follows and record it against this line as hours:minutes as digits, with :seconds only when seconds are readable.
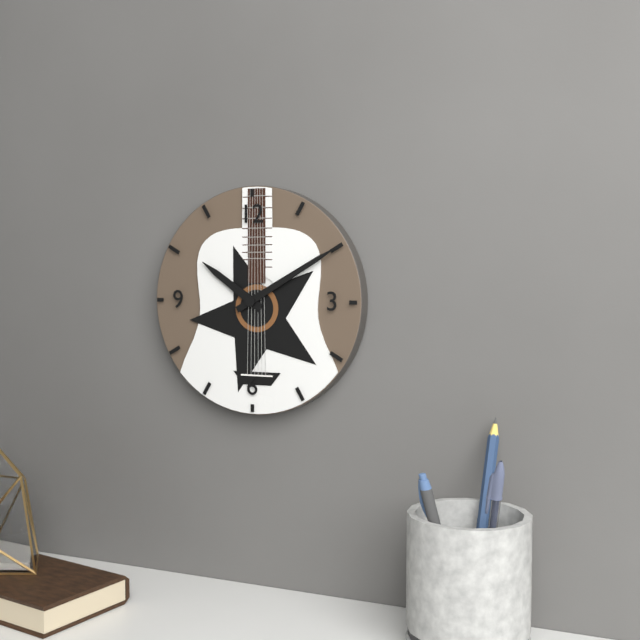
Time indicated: 10:10
